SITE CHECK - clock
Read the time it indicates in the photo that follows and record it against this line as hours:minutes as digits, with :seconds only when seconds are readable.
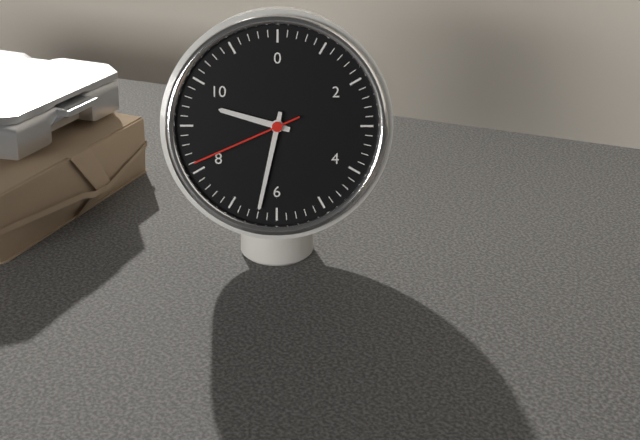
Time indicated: 9:32:41
